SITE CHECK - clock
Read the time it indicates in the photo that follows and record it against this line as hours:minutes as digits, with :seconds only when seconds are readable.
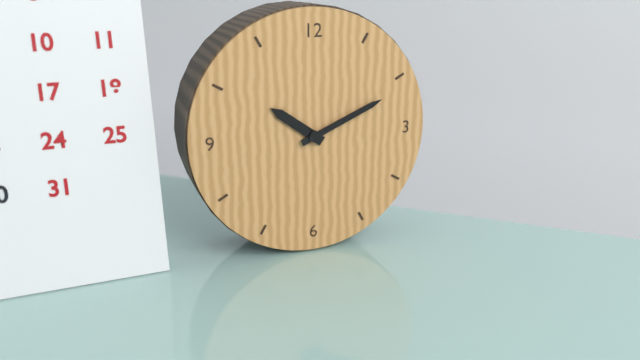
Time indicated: 10:11
